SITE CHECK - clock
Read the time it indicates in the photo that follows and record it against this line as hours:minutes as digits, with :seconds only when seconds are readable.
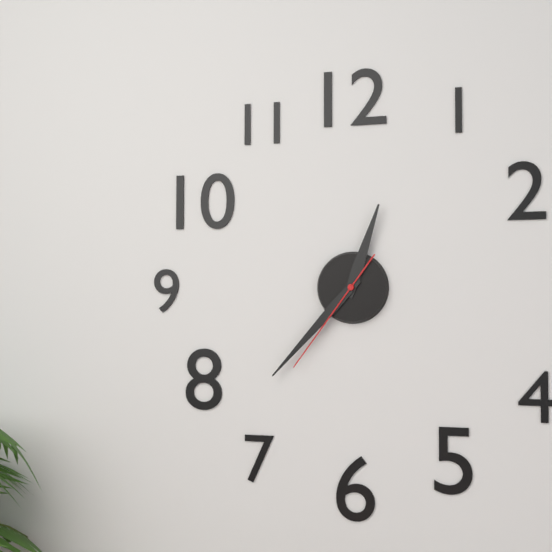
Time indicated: 12:37:36
